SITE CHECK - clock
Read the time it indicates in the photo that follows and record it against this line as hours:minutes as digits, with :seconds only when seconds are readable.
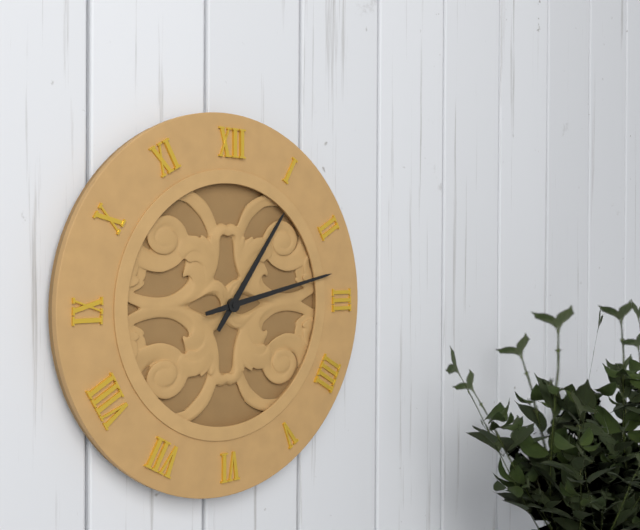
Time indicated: 1:13
